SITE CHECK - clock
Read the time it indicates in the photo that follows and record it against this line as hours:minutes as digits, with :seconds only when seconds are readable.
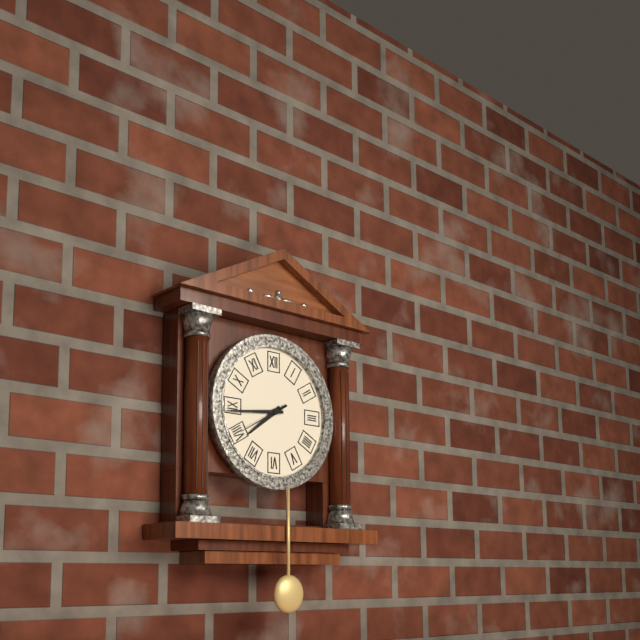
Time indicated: 7:44:40
